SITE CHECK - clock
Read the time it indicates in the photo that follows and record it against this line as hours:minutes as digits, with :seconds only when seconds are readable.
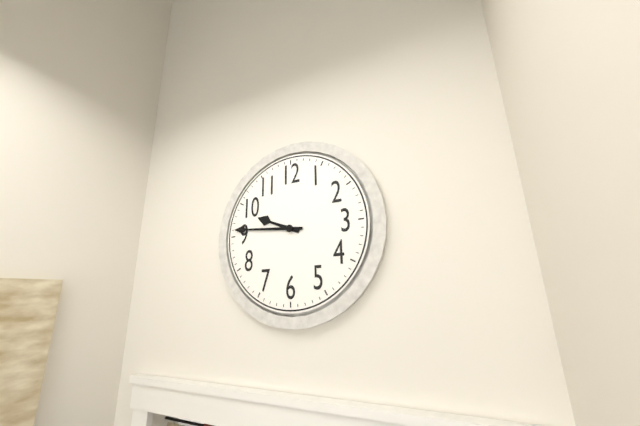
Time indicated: 9:46
